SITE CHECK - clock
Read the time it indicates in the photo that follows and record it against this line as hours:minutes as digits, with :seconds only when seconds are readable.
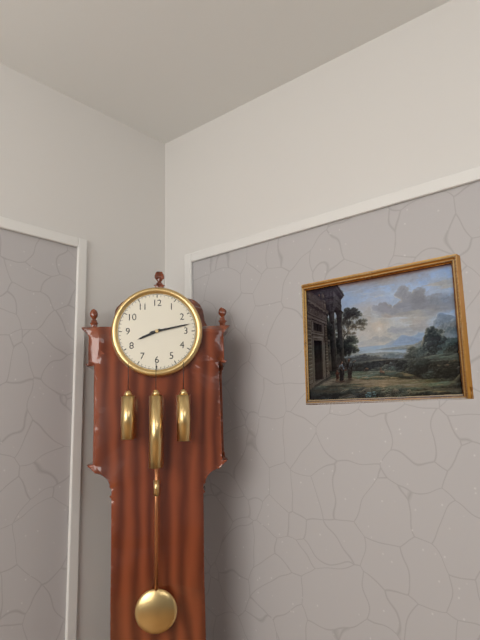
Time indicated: 8:13
